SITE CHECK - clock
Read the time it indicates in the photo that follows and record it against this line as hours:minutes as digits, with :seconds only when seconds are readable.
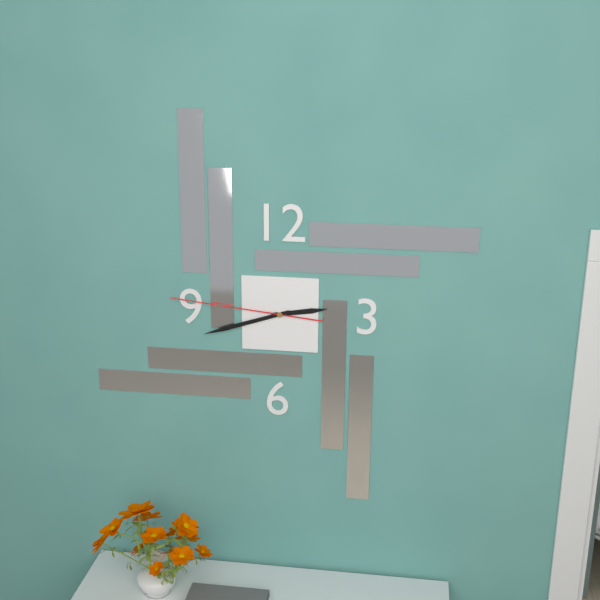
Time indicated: 2:42:46
